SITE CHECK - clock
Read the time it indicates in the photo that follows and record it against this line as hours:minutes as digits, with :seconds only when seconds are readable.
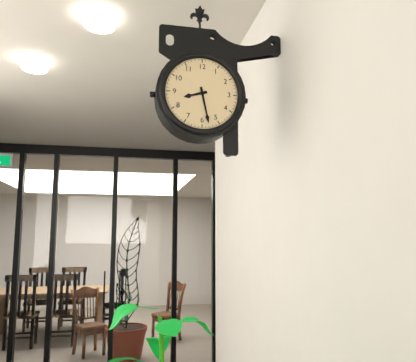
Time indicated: 8:28
